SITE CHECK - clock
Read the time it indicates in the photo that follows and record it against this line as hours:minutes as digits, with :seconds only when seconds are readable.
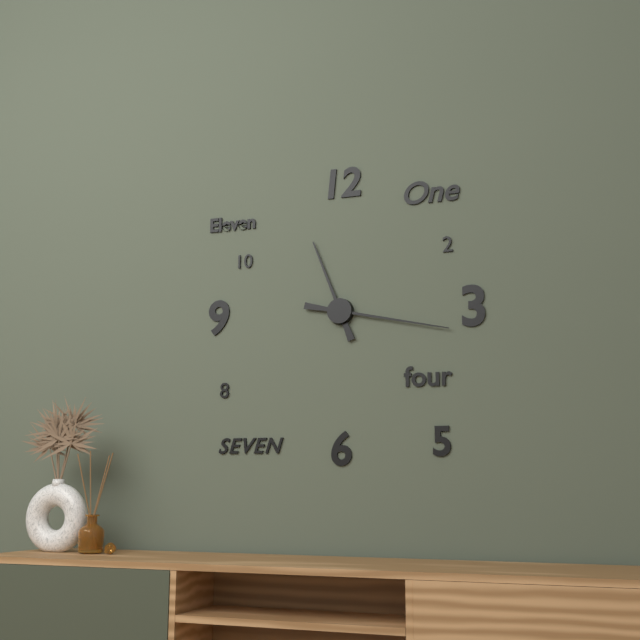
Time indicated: 11:17
